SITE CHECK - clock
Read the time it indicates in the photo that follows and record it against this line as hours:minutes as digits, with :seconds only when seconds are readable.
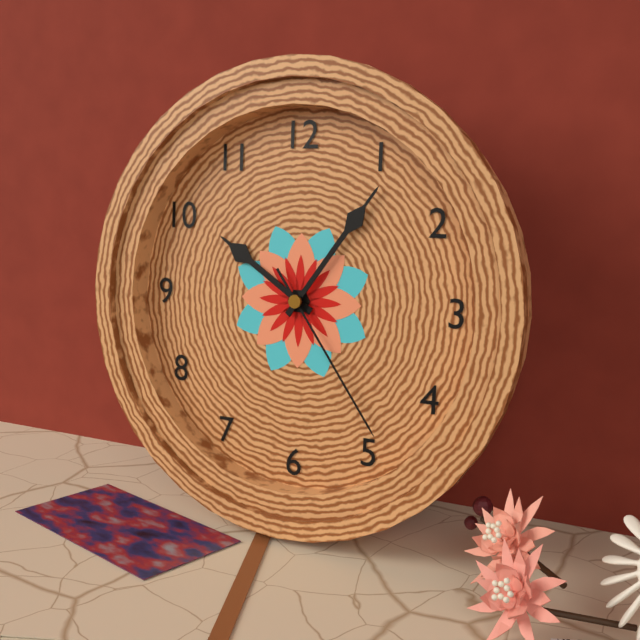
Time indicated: 10:06:24
